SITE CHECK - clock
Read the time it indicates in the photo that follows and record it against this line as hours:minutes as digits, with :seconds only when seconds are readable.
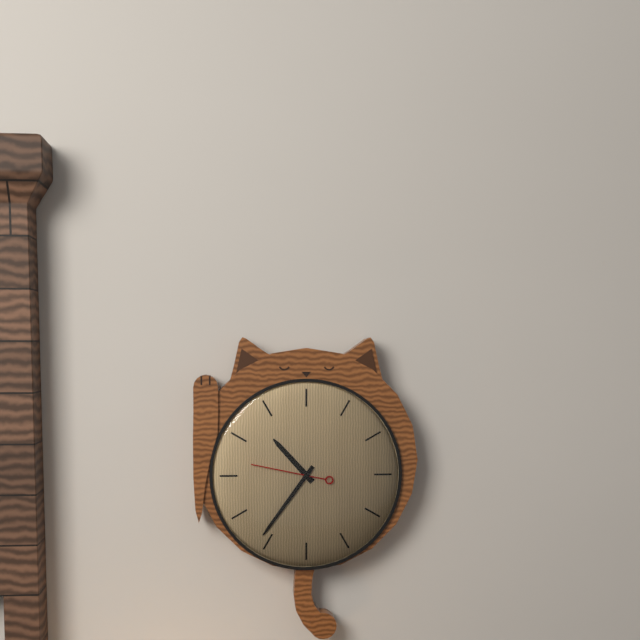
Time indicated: 10:36:47
